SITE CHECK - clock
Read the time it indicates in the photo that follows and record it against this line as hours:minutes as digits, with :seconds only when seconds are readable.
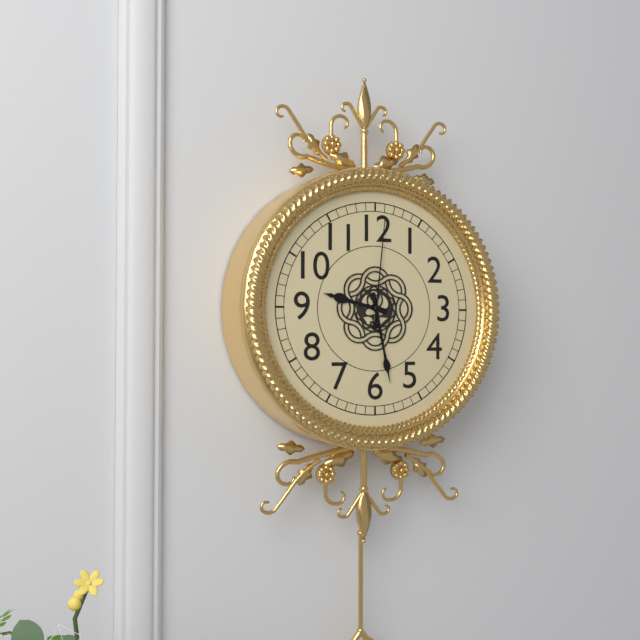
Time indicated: 9:28:01
